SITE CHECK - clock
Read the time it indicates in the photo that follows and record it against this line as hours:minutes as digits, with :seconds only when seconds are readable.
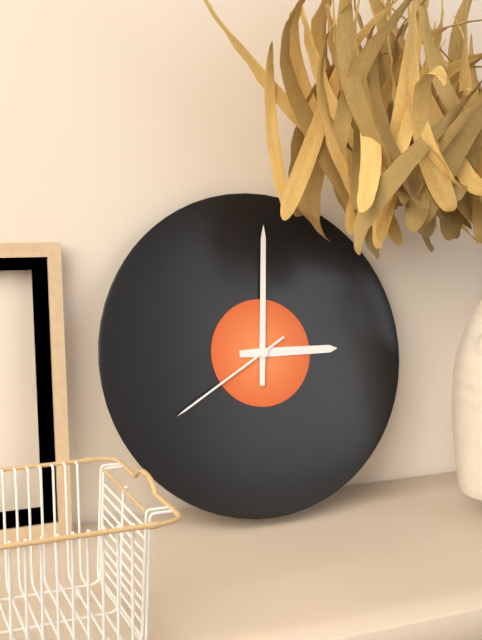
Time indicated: 3:01:40
